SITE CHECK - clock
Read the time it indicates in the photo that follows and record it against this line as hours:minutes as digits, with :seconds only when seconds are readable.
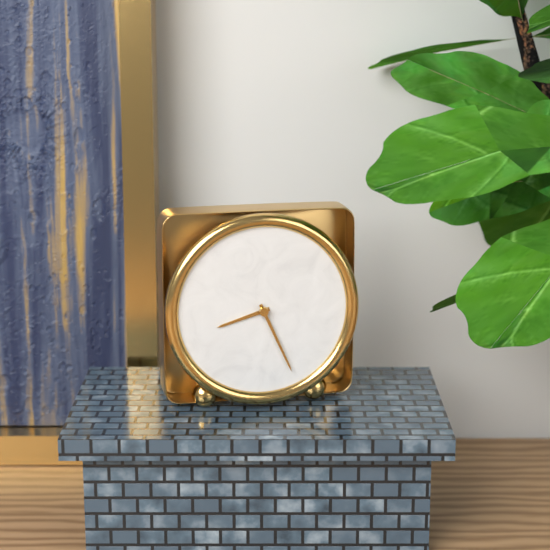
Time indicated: 8:26
